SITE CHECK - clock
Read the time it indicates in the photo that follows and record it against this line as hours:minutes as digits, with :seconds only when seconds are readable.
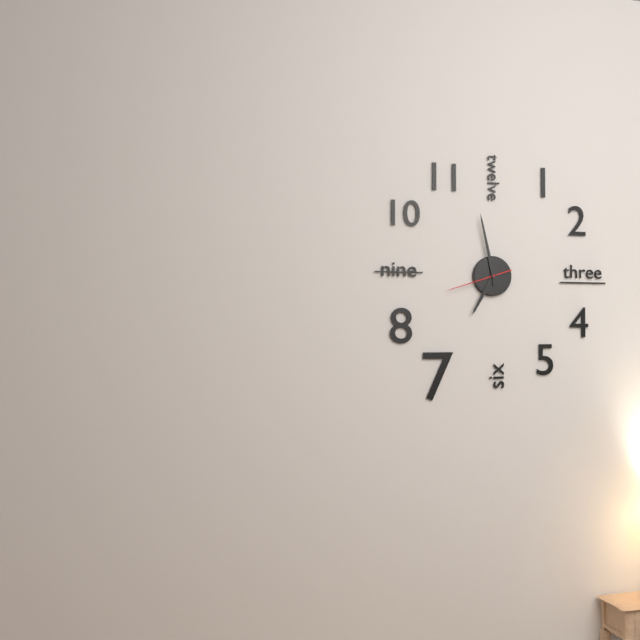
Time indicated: 6:58:42
